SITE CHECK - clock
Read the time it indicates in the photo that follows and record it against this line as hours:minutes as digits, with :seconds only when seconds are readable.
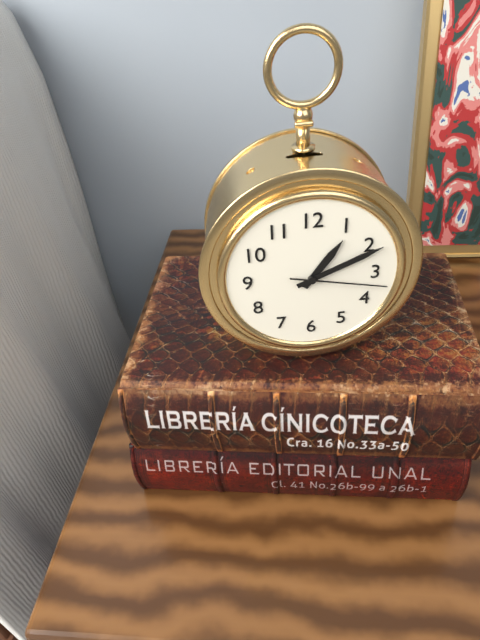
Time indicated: 1:11:17
